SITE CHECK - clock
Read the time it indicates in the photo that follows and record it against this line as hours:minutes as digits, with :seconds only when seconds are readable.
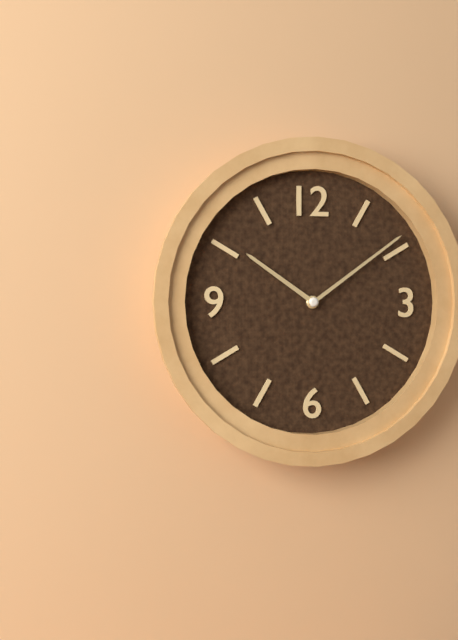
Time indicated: 10:09
